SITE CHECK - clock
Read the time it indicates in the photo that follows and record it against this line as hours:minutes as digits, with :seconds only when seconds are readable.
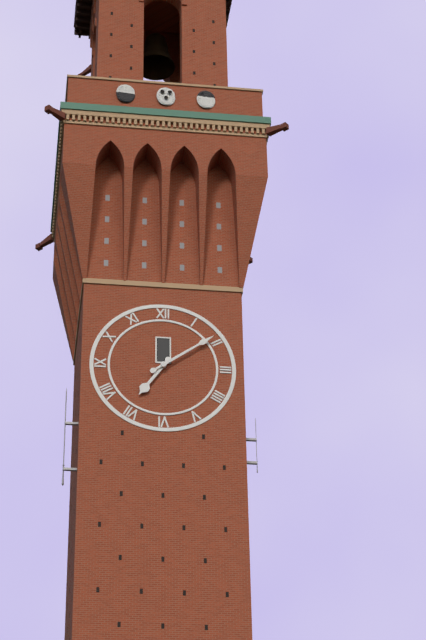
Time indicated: 7:09
